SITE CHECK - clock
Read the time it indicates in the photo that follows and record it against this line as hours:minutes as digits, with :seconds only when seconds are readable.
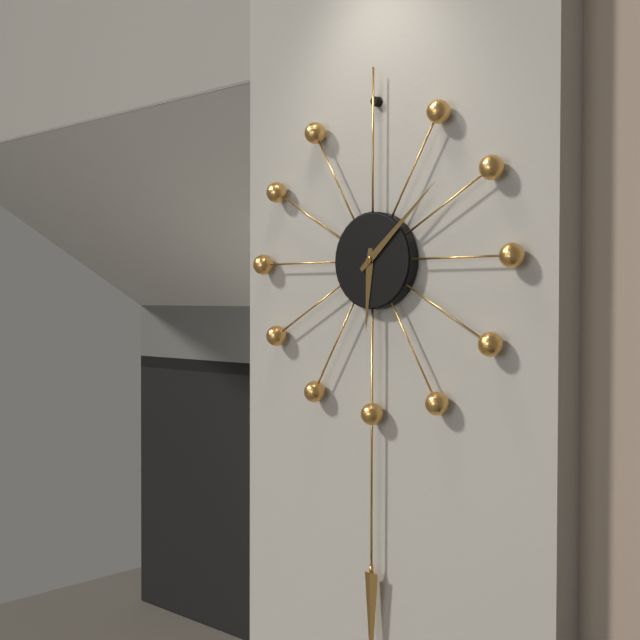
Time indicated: 6:08
